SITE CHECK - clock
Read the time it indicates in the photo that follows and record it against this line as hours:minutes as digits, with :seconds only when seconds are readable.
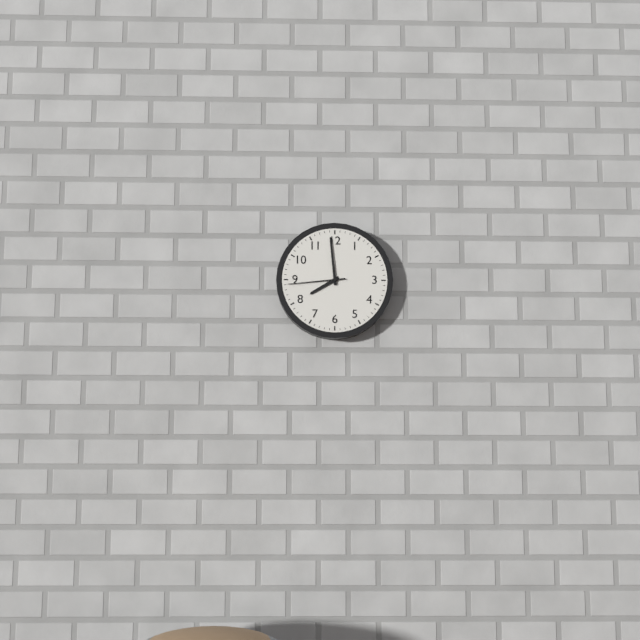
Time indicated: 7:59:44
